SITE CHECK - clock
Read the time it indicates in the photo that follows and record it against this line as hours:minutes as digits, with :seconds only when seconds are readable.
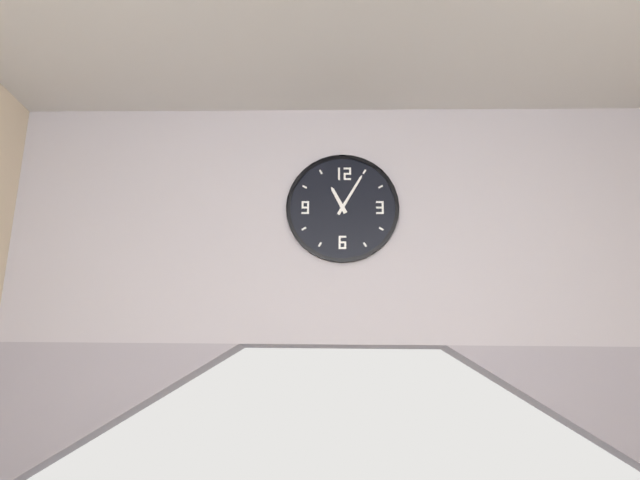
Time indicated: 11:05
